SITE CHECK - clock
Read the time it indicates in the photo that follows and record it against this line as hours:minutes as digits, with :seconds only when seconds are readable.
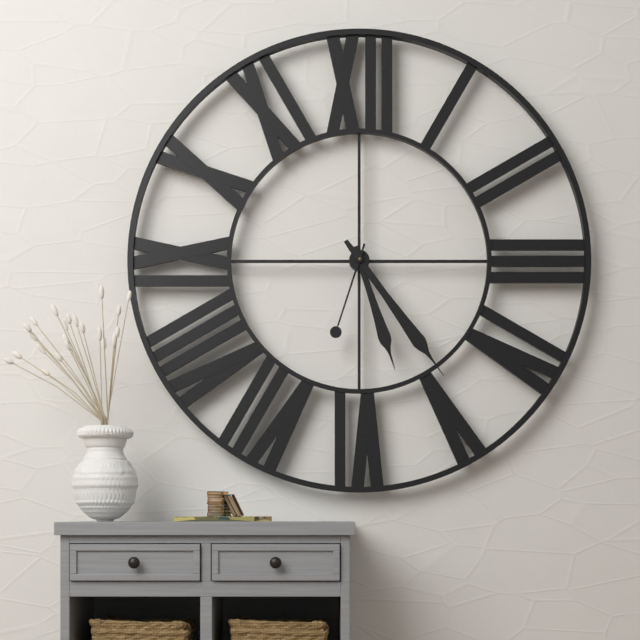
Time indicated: 5:24:33
